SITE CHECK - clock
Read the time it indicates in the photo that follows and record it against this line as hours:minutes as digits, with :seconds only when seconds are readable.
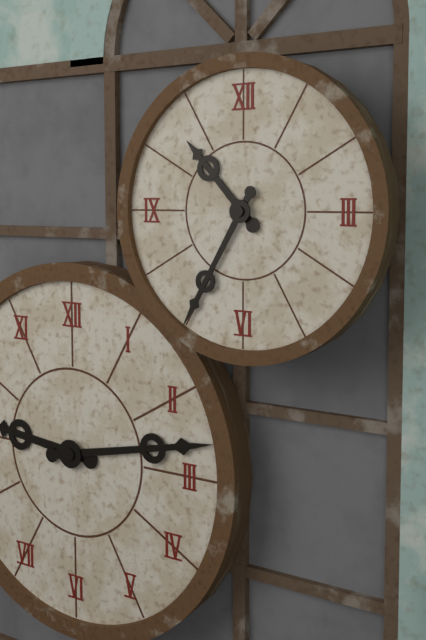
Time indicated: 10:35
